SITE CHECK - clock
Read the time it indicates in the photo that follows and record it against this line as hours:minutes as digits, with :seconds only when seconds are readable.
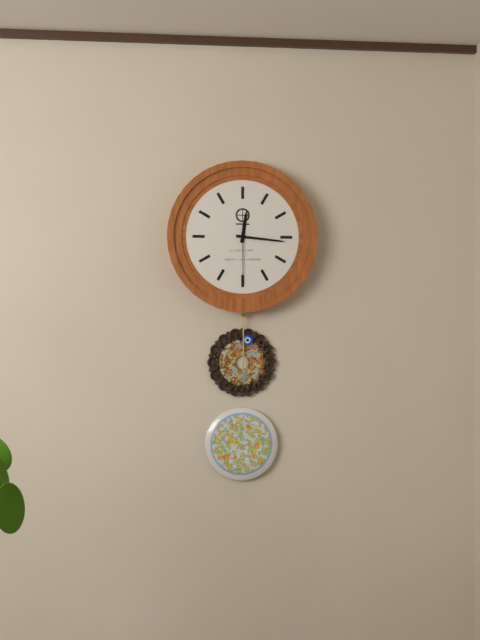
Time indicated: 12:16:30
